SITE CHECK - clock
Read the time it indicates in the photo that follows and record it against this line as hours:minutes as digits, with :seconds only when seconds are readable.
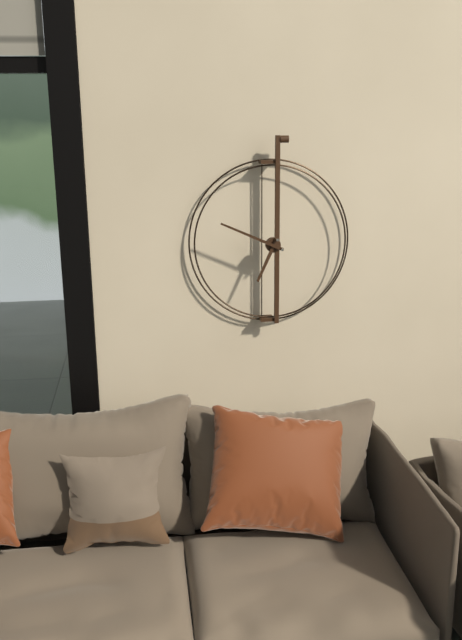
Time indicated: 6:49
